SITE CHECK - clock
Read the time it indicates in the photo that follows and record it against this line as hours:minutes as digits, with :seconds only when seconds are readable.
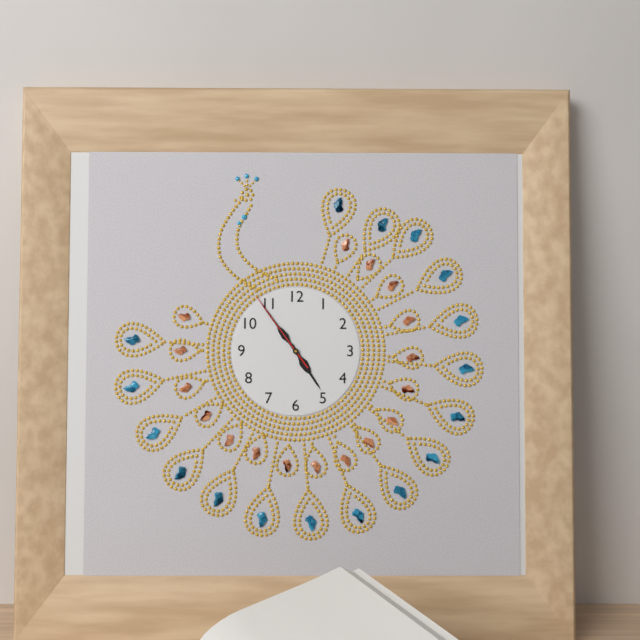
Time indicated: 4:54:54
